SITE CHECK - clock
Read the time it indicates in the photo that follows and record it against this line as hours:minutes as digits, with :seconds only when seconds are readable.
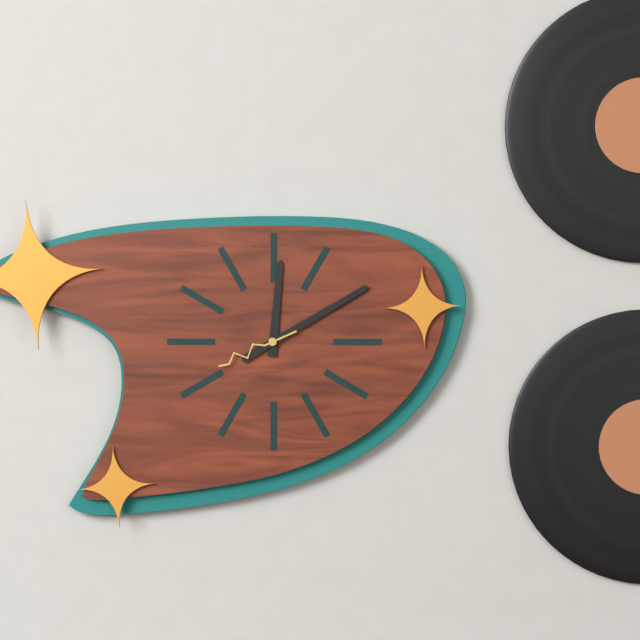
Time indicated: 12:10:41
